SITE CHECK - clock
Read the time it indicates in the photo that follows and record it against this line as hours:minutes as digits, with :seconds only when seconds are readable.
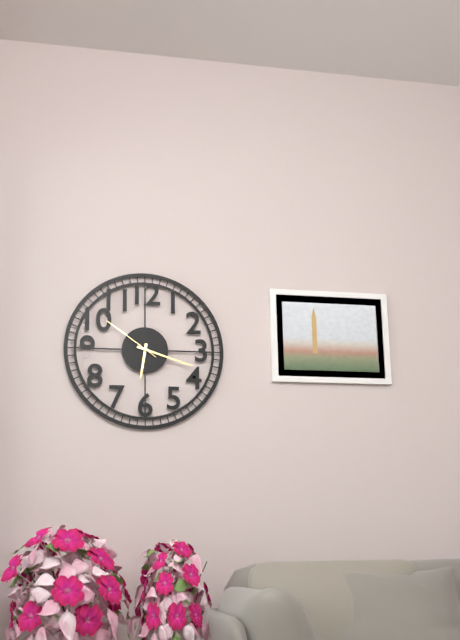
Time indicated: 6:18:51
